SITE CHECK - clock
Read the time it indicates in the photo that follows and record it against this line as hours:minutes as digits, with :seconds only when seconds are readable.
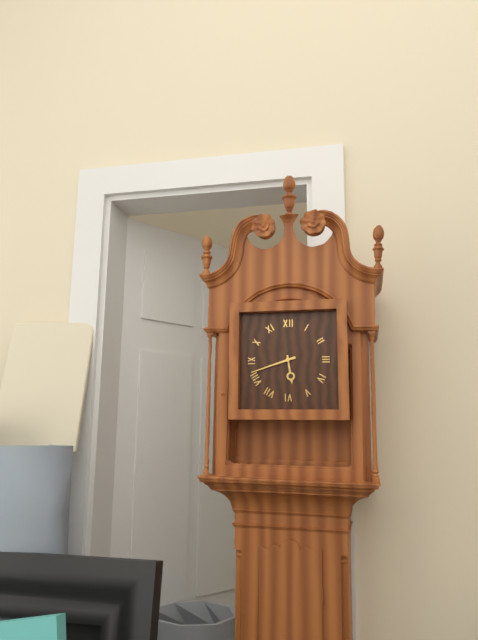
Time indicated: 5:42
